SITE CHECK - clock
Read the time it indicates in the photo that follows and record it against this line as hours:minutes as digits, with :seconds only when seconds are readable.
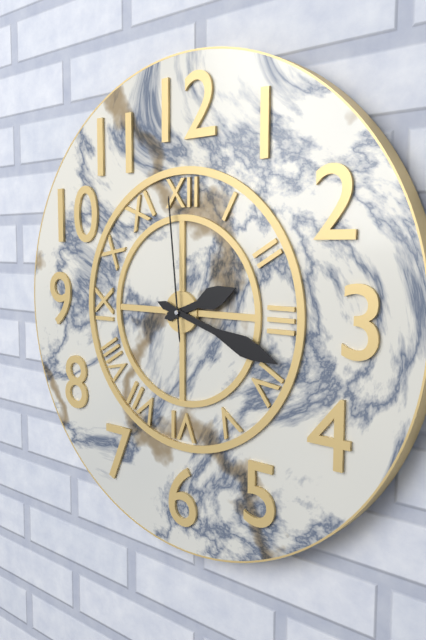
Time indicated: 2:18:59
